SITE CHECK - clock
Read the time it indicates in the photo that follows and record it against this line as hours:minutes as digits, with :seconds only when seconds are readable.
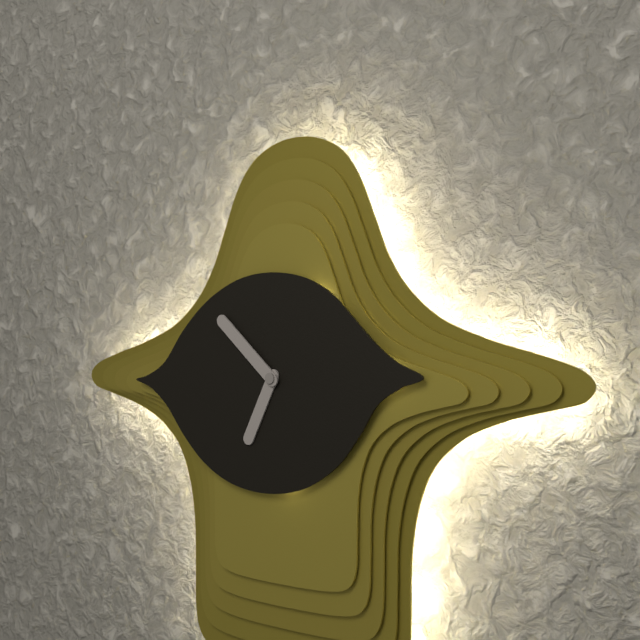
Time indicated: 6:52
